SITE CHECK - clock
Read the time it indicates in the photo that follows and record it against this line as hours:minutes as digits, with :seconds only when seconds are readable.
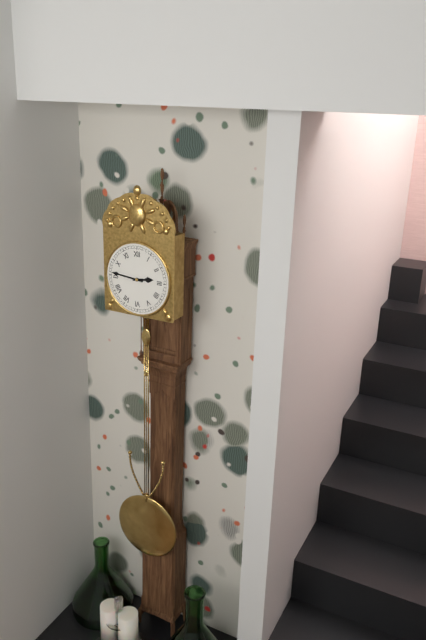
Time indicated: 2:46
